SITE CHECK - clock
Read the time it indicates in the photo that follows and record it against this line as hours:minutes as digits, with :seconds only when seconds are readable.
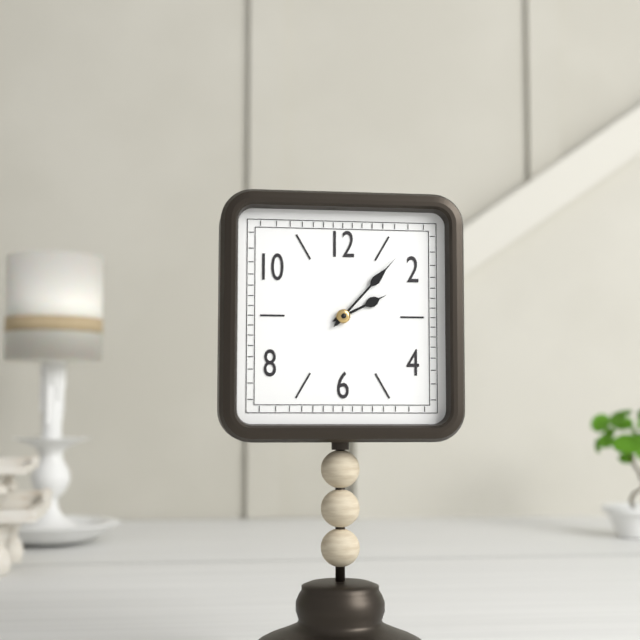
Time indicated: 2:07
